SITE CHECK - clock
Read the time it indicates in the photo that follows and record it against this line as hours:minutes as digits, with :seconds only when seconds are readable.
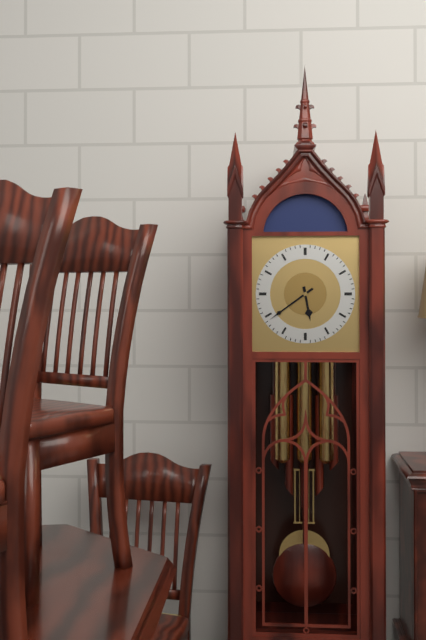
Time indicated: 5:39
